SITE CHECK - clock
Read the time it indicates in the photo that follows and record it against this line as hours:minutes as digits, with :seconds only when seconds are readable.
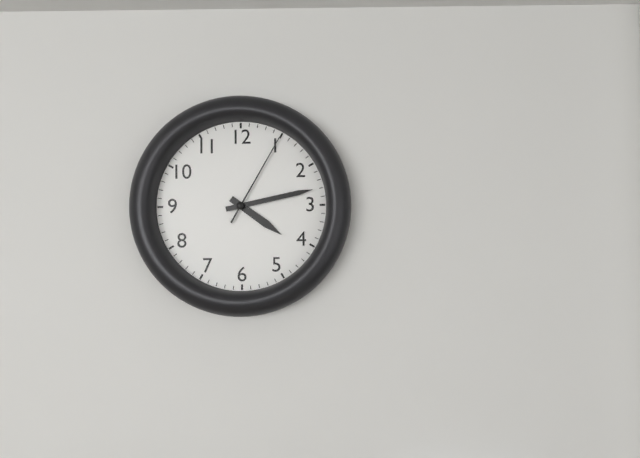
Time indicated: 4:13:05
